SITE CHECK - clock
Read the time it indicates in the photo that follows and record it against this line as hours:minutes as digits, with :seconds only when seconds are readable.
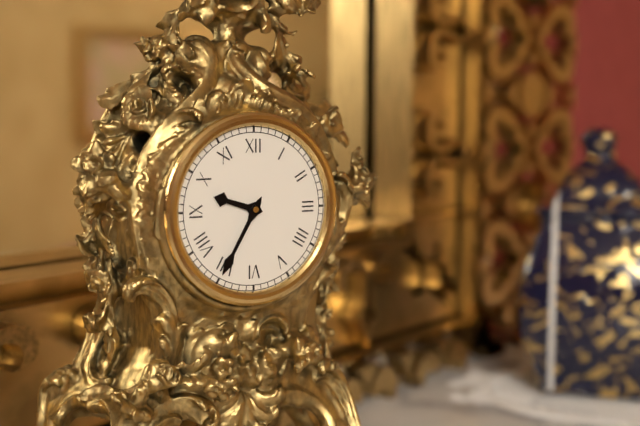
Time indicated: 9:35
